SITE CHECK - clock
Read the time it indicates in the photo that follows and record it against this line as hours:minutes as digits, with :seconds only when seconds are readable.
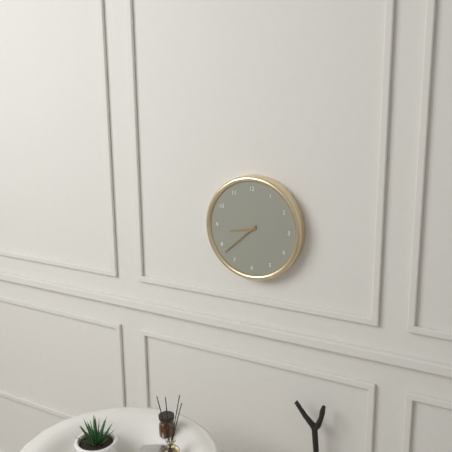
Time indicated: 8:38
